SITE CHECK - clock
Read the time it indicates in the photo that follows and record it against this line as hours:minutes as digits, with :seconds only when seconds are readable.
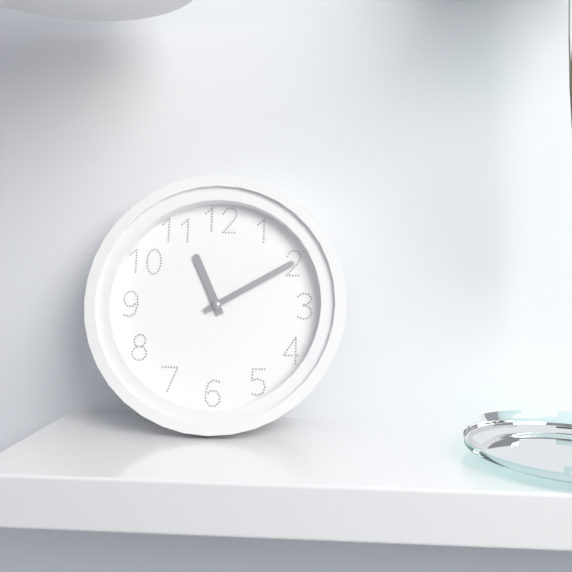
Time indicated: 11:10
